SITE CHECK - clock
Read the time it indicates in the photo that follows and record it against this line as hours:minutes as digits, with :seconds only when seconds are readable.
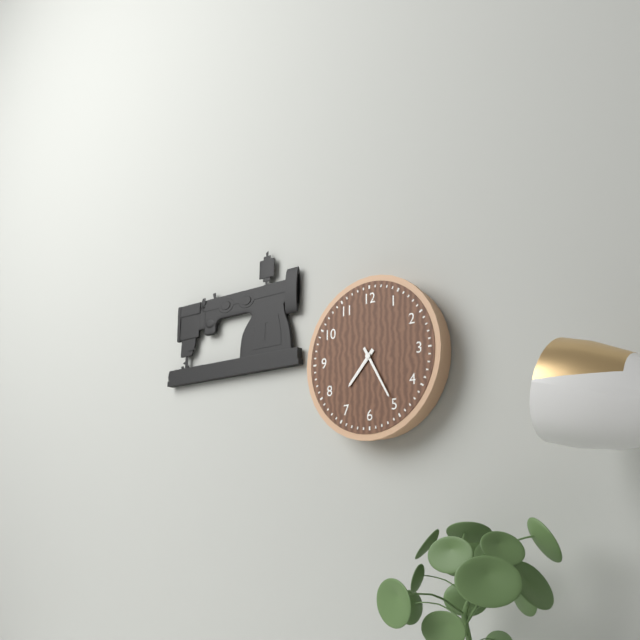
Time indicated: 7:25
